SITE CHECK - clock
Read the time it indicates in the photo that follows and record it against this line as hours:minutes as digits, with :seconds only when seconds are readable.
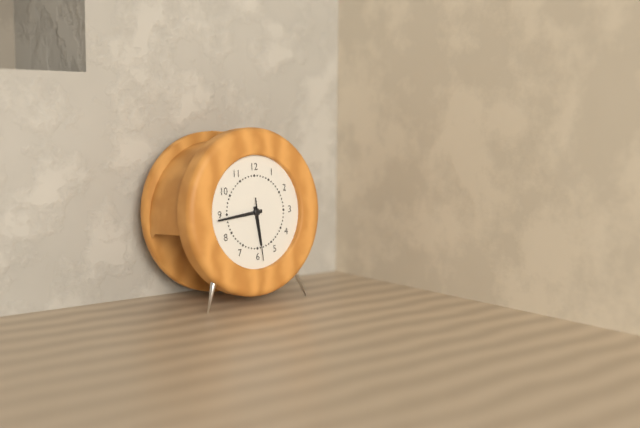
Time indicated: 5:44:29
